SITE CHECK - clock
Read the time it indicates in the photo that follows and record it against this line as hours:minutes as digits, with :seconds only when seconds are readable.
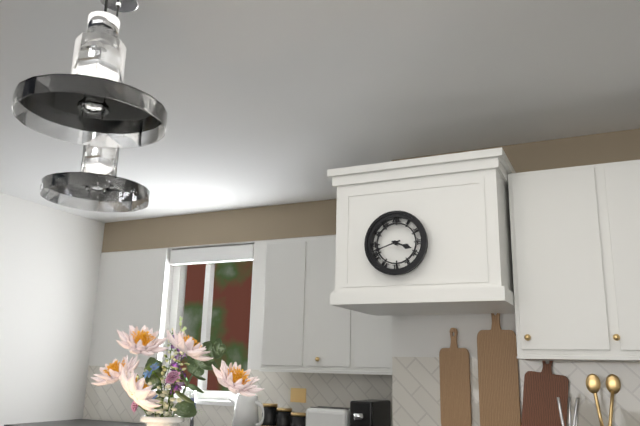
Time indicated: 3:42
